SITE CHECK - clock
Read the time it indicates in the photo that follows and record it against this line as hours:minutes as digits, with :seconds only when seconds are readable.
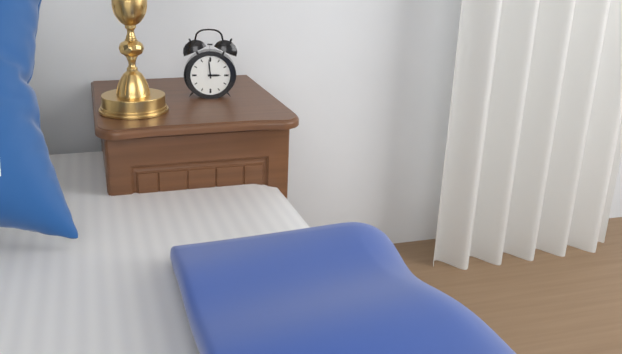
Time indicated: 2:59
